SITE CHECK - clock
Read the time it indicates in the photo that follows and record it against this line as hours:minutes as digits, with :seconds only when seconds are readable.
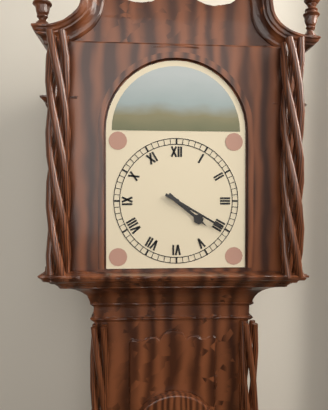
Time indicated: 4:20
